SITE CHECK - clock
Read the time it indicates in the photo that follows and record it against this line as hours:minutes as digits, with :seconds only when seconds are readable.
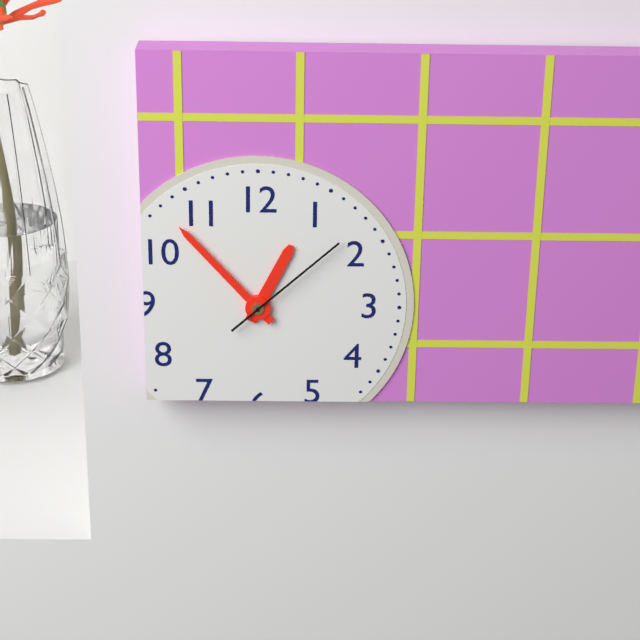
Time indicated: 12:53:08
